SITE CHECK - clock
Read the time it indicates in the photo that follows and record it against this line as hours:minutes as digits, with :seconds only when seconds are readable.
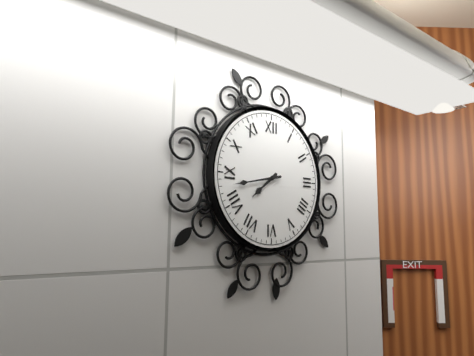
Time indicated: 7:43
